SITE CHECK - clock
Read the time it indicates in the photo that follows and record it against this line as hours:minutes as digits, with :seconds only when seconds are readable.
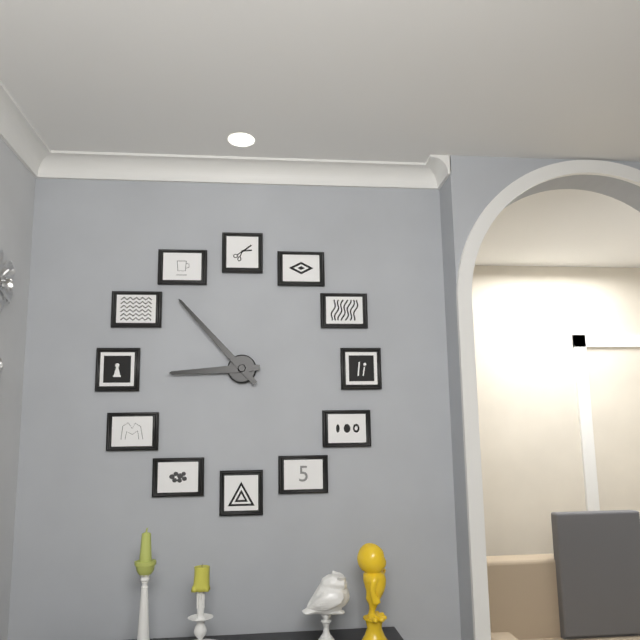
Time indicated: 8:53
